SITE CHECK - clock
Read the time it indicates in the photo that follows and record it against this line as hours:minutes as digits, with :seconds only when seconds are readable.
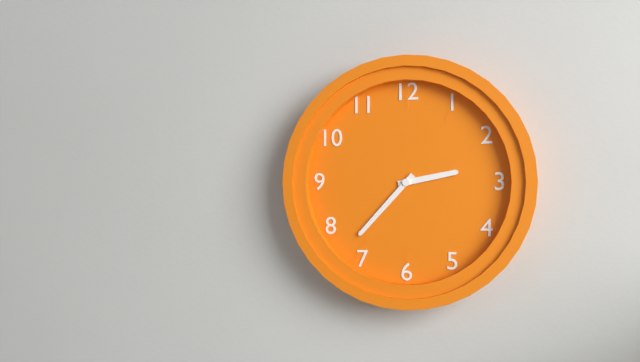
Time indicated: 2:37
